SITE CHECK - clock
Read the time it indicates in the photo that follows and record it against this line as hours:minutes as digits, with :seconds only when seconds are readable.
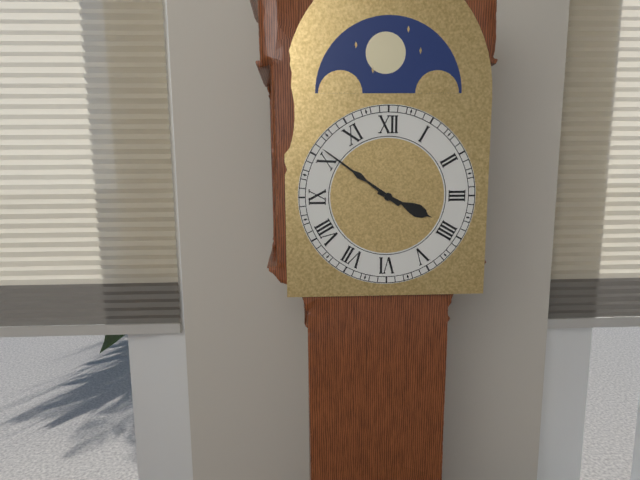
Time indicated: 3:51
